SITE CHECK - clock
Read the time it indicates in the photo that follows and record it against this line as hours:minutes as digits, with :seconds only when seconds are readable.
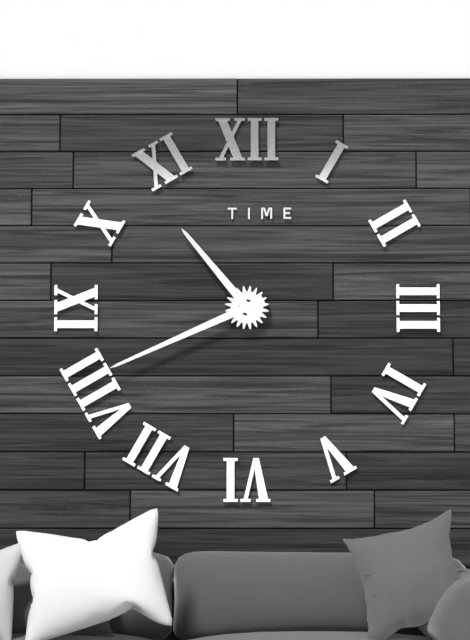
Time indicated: 10:41
